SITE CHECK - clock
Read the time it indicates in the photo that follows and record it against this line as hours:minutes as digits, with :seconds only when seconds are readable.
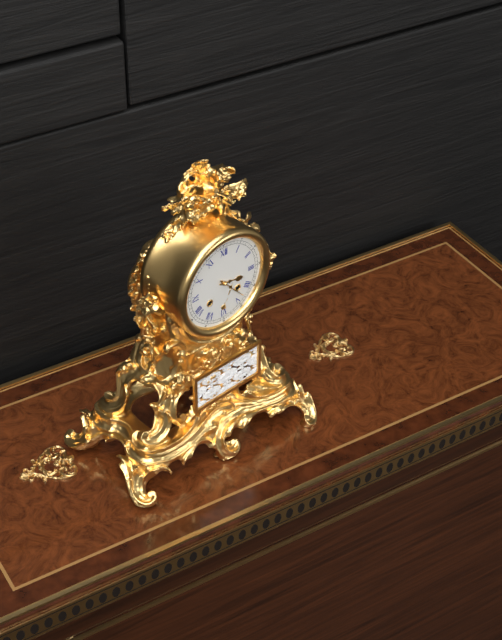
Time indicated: 3:23
